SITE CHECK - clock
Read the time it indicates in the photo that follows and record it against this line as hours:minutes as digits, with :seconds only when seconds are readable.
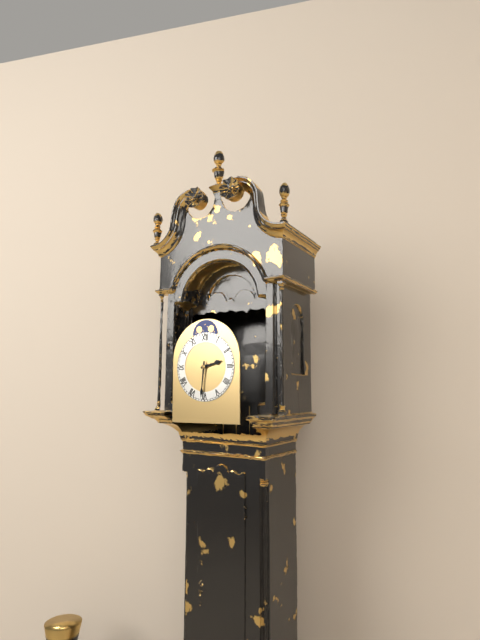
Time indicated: 2:31
